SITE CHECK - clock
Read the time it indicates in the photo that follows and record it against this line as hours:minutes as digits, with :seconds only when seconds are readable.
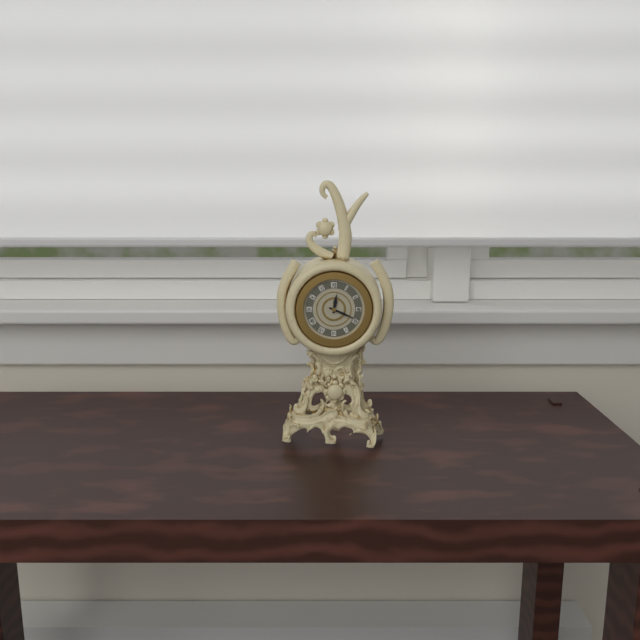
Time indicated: 12:19
